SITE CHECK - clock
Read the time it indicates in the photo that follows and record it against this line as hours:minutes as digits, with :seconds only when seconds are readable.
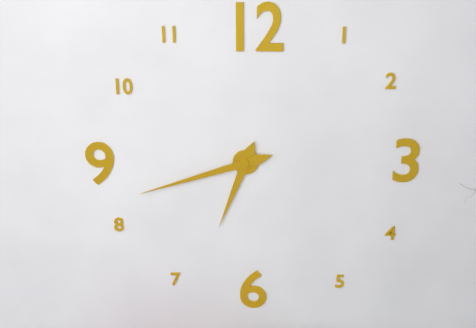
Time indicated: 6:42
